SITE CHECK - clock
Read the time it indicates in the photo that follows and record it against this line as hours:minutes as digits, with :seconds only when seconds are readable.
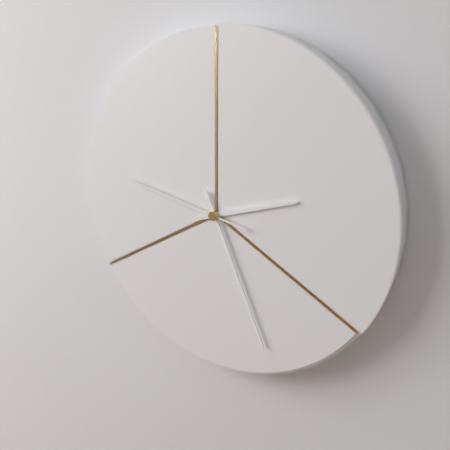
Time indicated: 2:26:47
